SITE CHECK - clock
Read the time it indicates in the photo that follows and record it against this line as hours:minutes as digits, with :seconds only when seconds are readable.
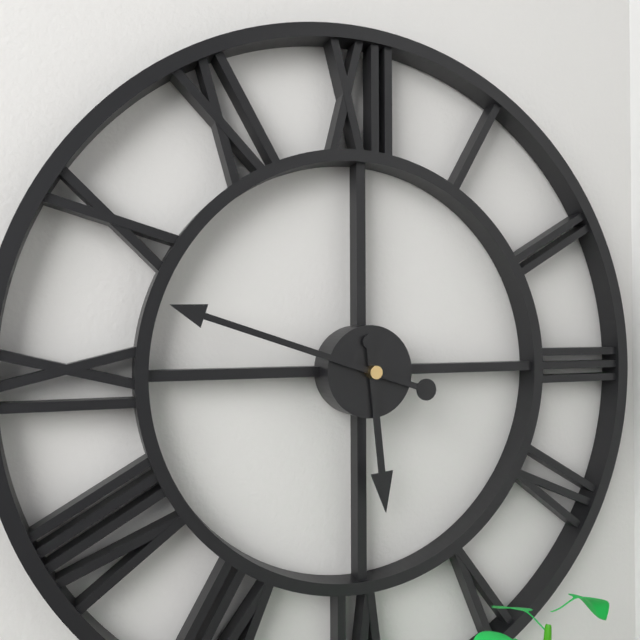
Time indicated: 5:48
